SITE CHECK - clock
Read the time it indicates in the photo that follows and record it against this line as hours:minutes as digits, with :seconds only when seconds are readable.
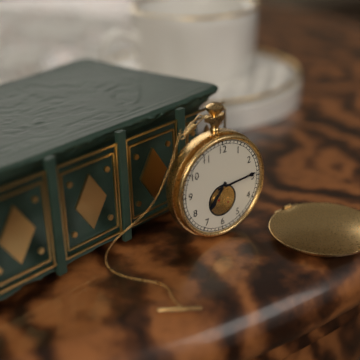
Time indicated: 7:14
